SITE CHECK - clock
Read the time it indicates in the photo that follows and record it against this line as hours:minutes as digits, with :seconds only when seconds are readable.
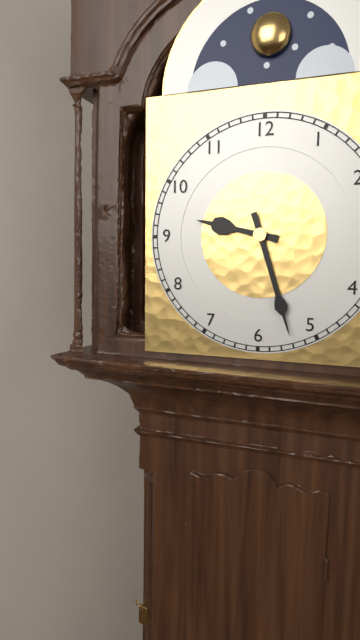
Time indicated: 9:27
